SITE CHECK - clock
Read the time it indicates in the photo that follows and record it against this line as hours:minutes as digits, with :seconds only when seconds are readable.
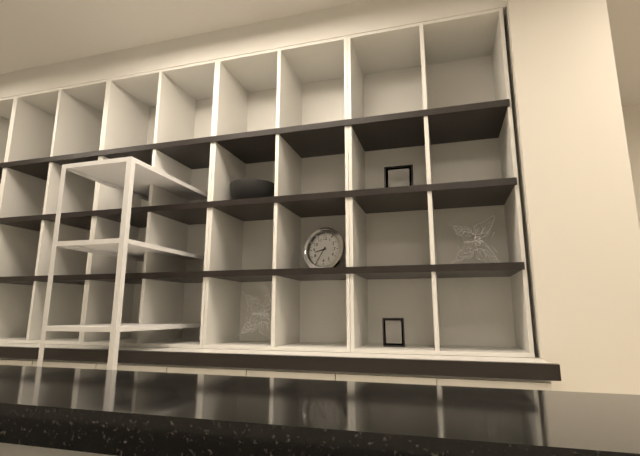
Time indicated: 8:35
